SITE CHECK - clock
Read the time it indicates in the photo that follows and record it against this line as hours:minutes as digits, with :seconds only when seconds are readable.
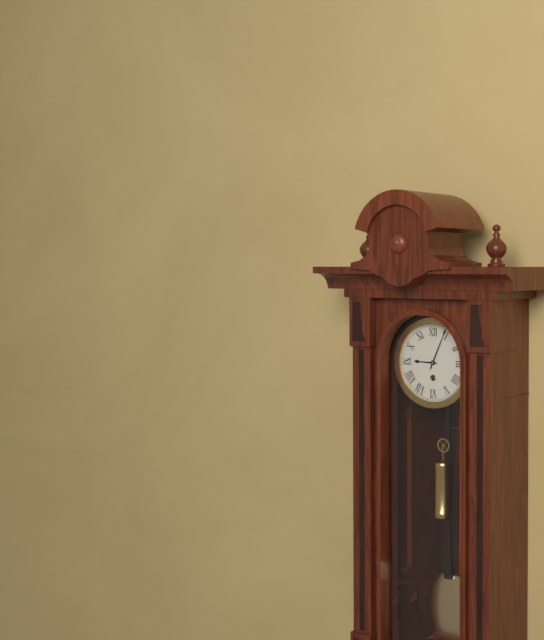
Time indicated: 9:04
